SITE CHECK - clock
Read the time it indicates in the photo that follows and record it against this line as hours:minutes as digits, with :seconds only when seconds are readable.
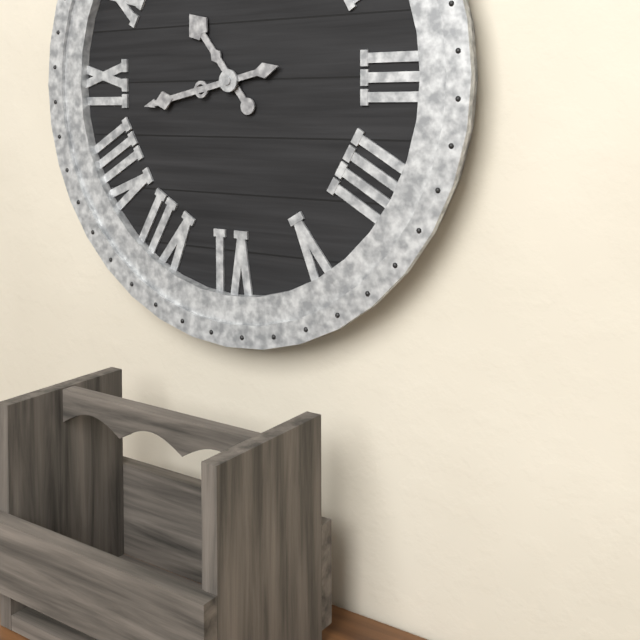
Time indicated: 10:43
